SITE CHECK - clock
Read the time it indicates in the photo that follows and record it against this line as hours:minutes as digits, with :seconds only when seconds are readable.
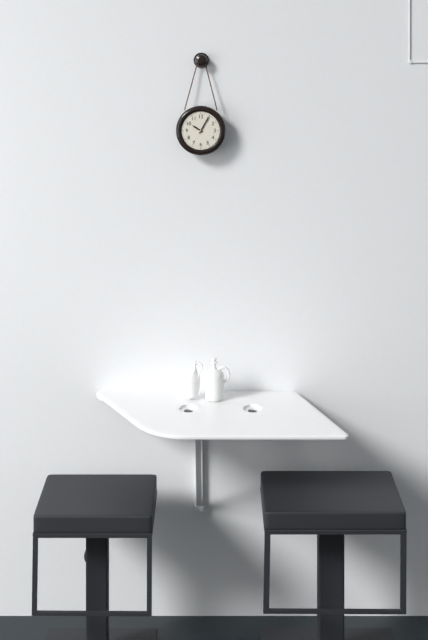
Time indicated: 10:05
